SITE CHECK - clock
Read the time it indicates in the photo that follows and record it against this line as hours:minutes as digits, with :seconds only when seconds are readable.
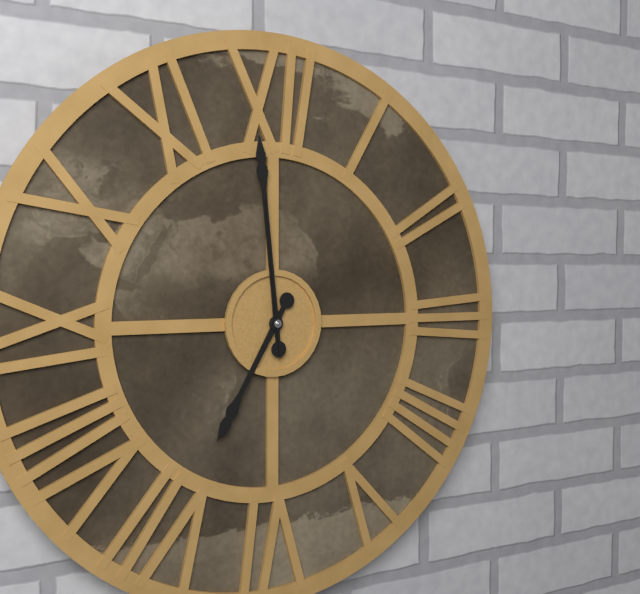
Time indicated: 6:59:59
